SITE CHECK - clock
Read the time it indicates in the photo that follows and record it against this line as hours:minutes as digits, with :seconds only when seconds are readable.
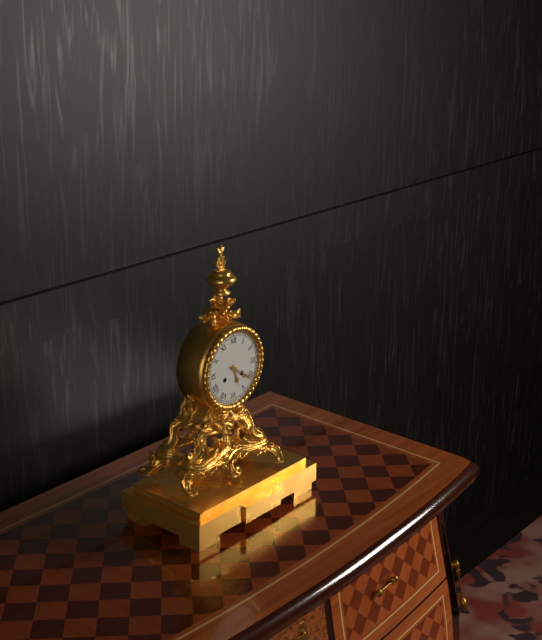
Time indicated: 5:21
